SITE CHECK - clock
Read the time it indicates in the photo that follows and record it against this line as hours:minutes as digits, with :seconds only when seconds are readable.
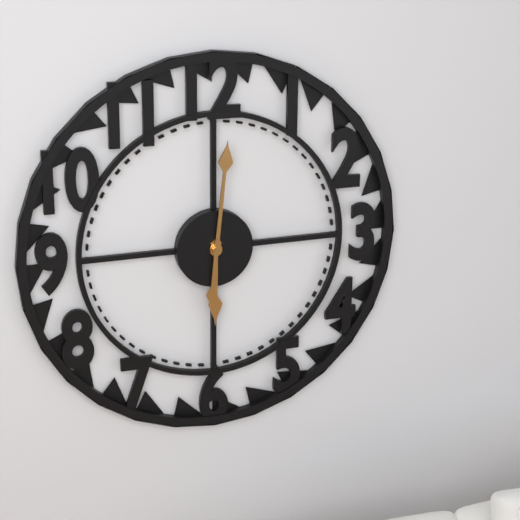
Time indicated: 6:01
